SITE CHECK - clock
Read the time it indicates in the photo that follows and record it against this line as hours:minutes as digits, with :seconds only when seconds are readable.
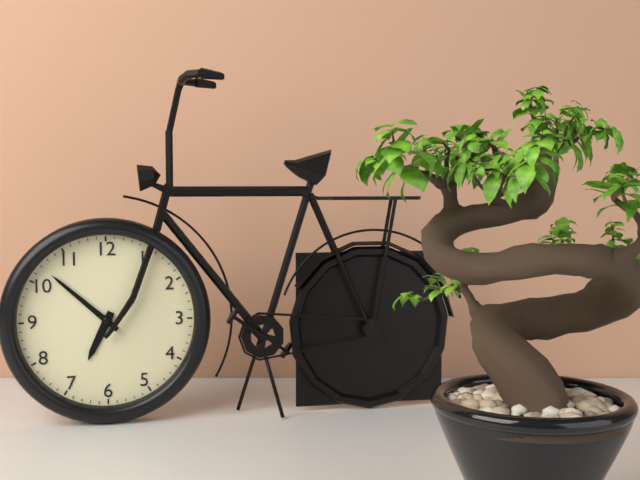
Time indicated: 6:52
